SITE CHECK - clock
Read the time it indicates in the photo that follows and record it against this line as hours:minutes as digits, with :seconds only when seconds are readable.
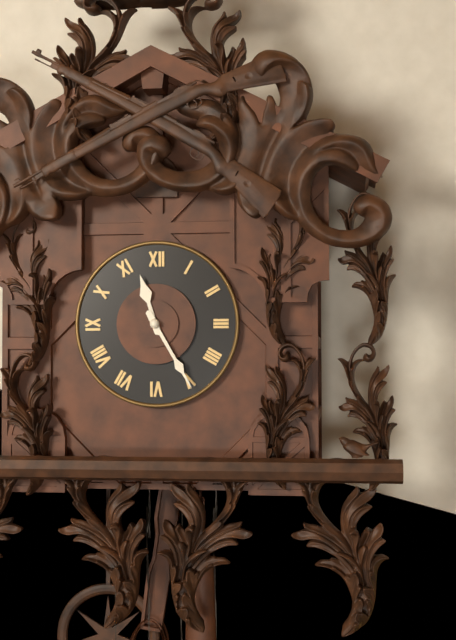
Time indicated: 11:25
